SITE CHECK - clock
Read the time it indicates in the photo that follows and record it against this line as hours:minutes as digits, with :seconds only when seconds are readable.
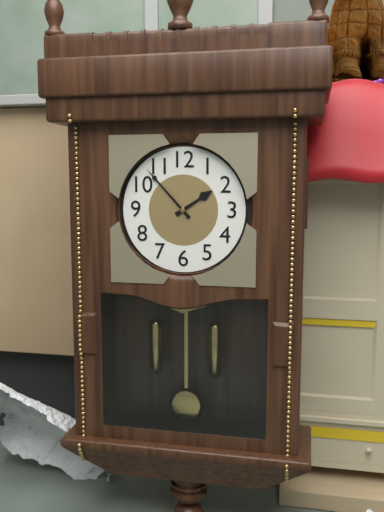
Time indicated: 1:53
